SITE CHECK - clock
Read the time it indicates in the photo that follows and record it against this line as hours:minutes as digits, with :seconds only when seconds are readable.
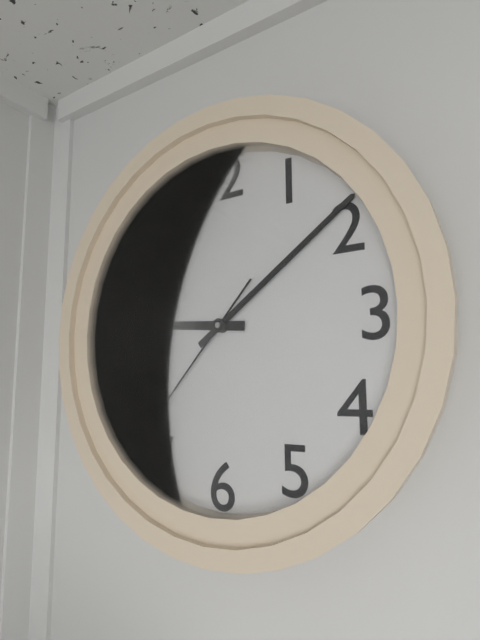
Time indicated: 9:09:37
